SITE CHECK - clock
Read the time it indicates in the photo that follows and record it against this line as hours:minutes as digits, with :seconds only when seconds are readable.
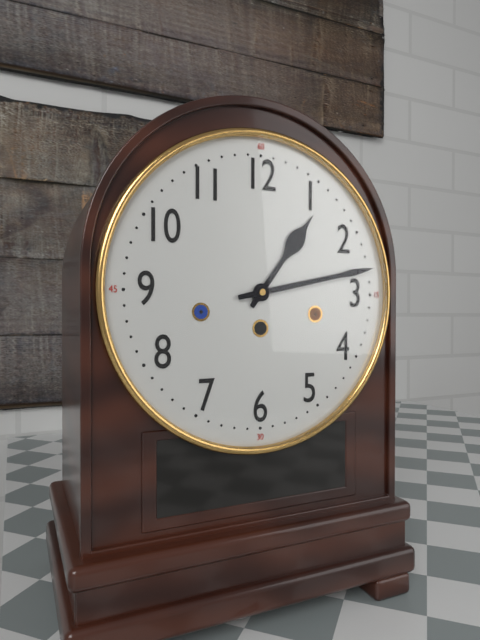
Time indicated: 1:13
